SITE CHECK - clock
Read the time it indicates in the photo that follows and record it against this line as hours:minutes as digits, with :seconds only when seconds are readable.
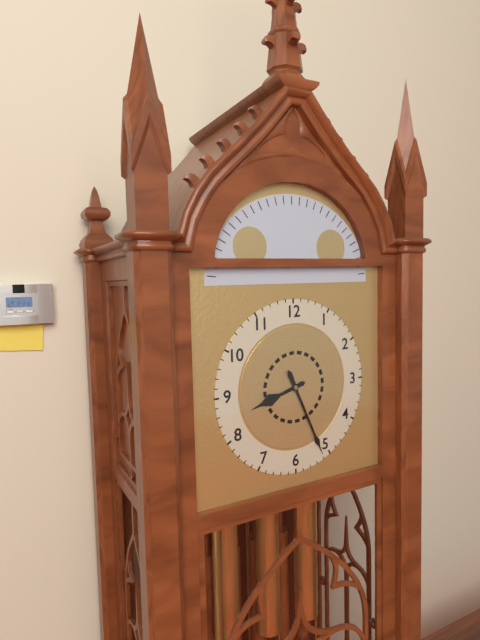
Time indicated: 8:26
